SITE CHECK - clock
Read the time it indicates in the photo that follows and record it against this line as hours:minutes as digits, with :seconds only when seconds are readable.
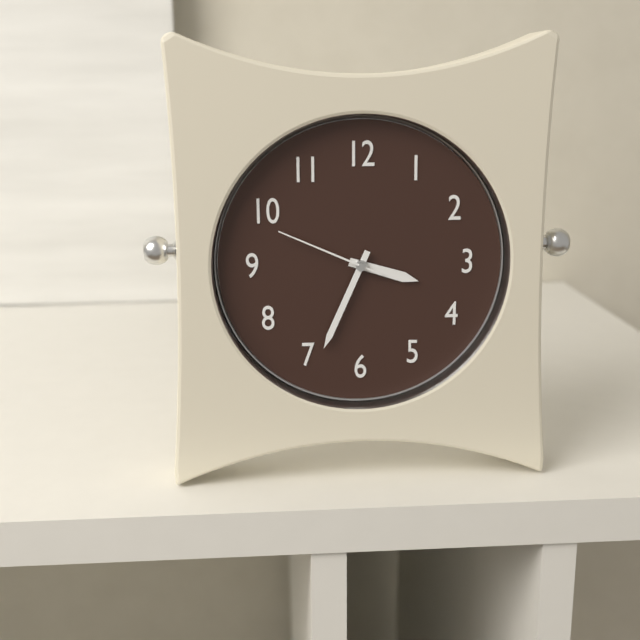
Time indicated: 3:34:49
